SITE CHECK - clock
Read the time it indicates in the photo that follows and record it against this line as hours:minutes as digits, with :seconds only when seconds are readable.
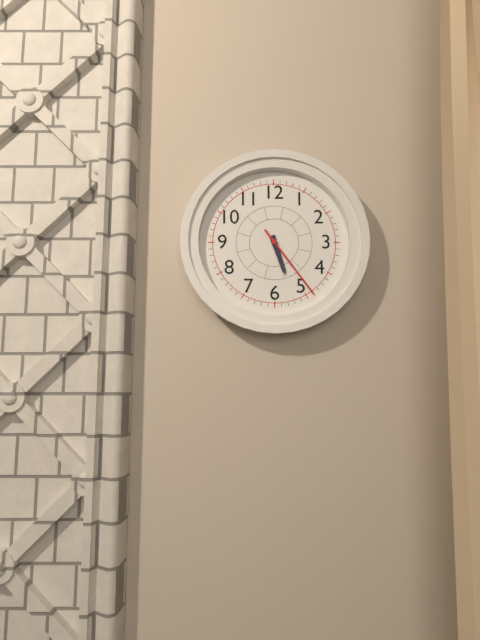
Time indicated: 5:24
